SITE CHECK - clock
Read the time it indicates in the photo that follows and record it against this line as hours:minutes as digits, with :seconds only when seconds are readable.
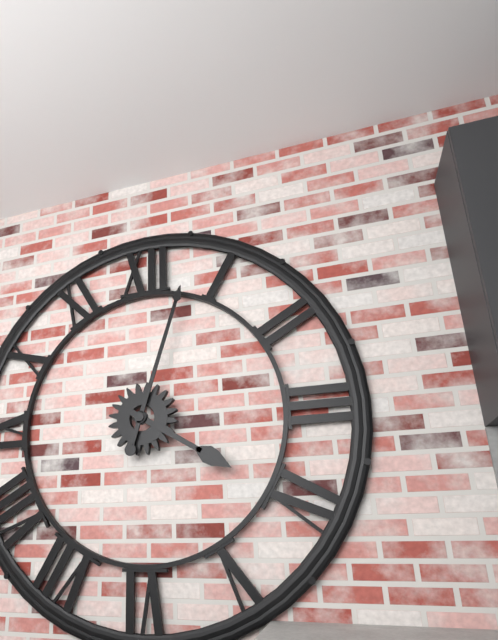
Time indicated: 4:03
